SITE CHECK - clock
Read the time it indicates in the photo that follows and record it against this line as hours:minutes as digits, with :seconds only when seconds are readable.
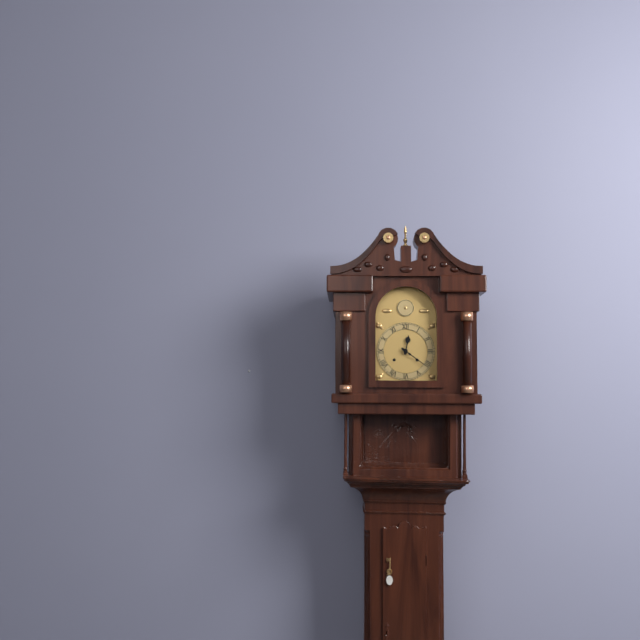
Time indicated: 12:21
